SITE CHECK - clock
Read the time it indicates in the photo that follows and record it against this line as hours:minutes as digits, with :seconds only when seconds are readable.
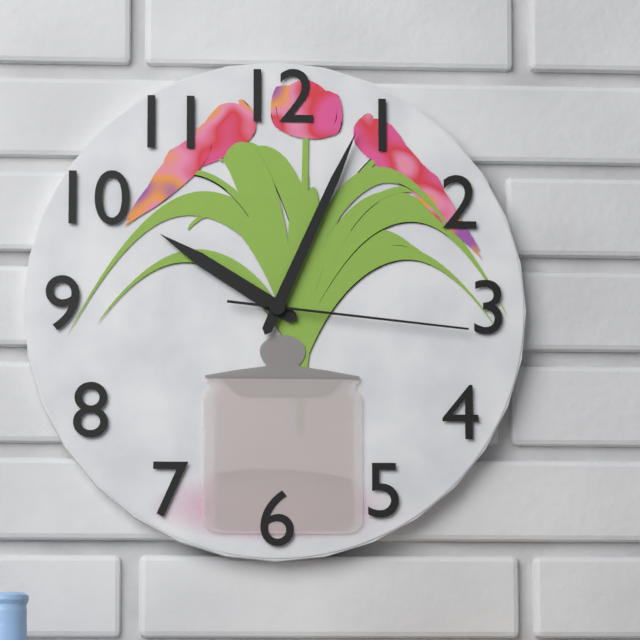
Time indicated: 10:04:16
